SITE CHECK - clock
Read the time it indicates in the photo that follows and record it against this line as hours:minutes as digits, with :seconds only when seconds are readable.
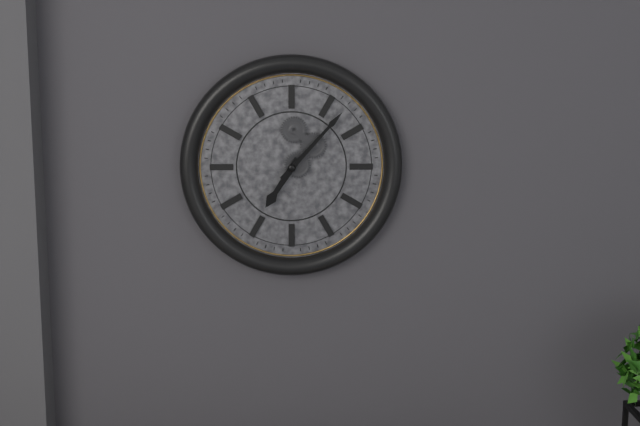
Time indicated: 7:07
